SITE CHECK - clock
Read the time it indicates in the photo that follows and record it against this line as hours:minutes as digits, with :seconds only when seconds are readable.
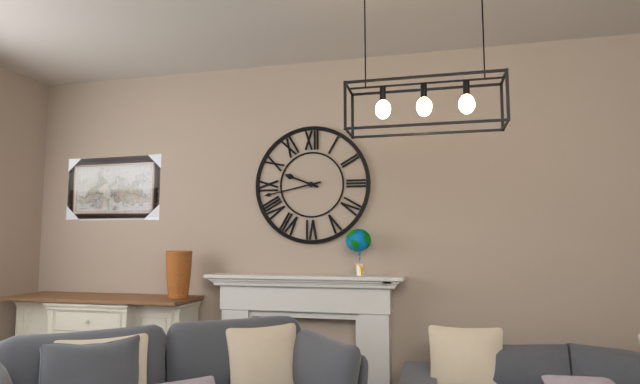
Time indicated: 9:43
